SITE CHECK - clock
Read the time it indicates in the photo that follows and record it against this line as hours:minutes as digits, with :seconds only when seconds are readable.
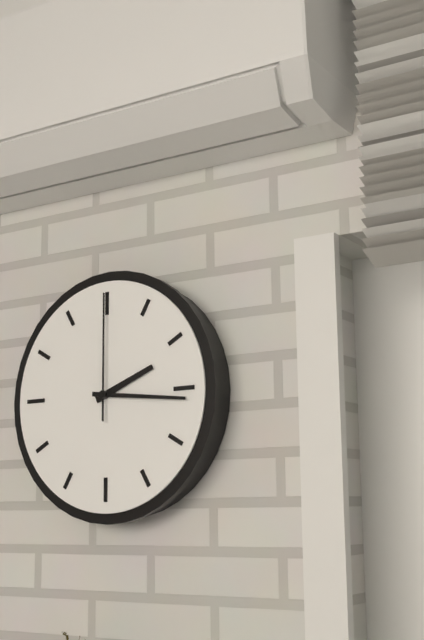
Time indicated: 2:16:00
